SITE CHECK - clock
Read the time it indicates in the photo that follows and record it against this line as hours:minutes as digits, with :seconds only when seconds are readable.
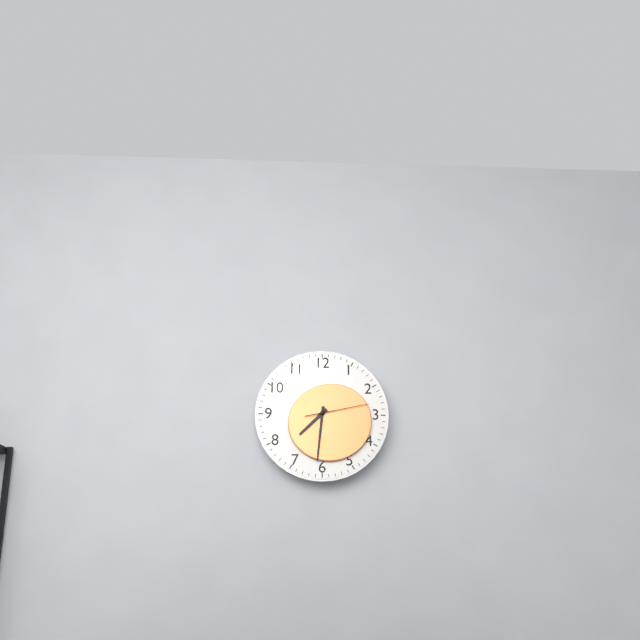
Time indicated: 7:31:13
